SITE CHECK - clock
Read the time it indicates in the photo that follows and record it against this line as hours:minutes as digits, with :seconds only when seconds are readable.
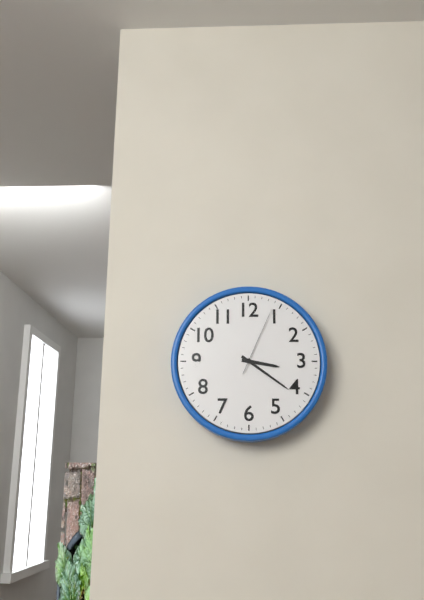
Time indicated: 3:21:04
